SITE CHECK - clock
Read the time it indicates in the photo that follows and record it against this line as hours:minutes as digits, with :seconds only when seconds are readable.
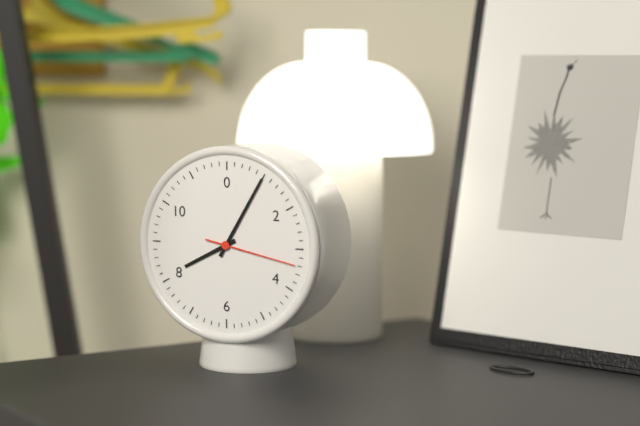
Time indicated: 8:05:17
